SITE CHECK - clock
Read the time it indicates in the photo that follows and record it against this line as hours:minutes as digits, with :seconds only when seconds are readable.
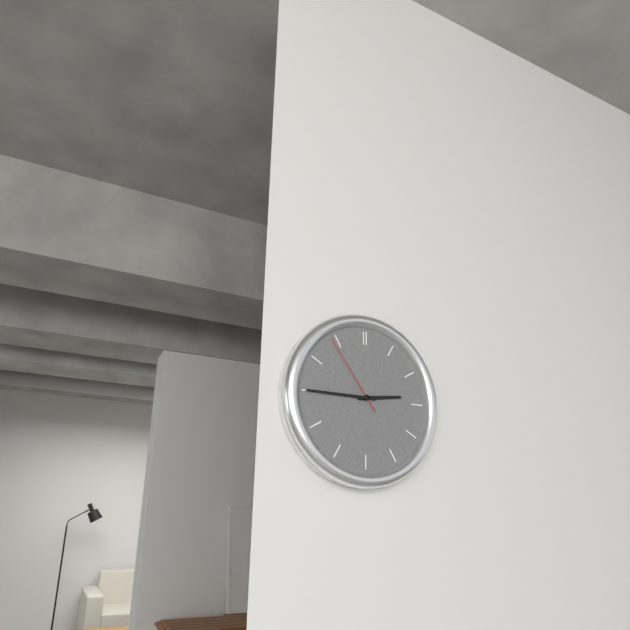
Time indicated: 2:45:54
